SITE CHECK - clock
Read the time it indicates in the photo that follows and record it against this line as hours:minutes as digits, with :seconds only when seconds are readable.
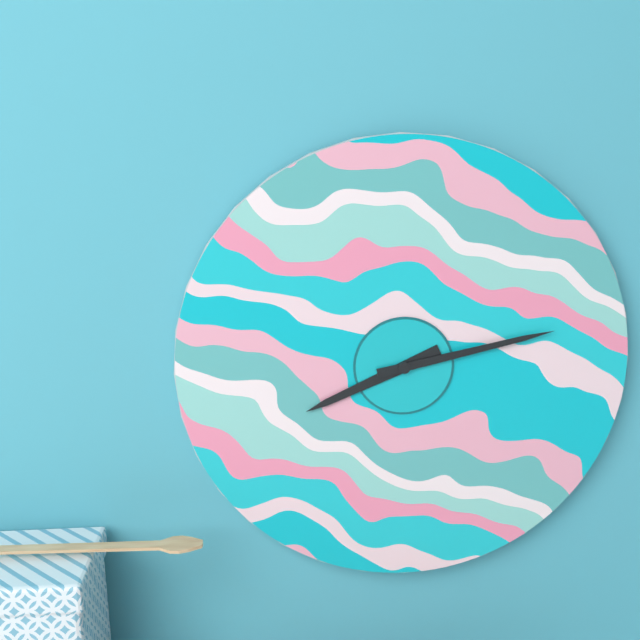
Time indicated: 8:13
